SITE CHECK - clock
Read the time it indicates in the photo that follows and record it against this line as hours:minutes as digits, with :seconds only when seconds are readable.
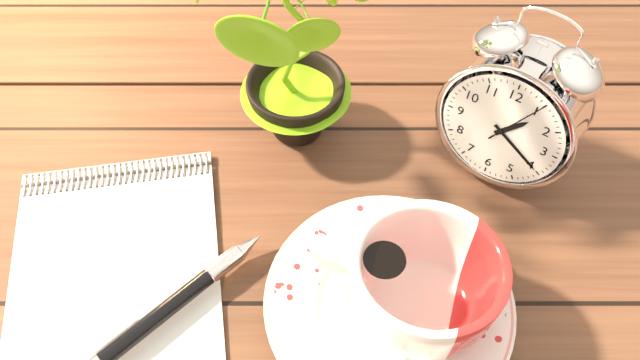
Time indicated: 1:20:05
